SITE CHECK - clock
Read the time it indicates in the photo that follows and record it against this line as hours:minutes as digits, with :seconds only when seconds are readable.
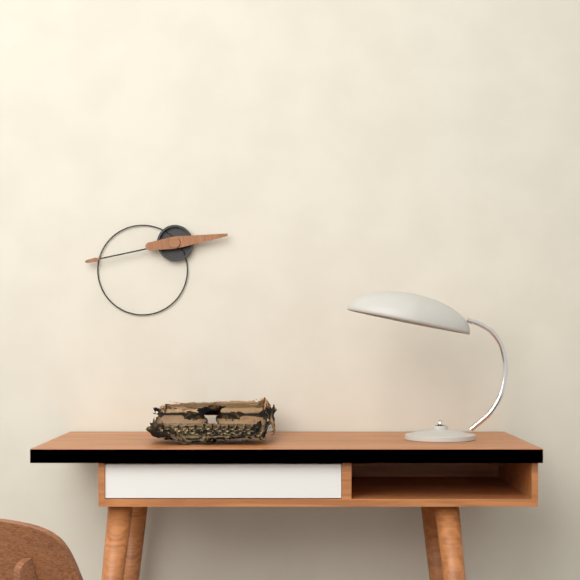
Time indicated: 2:43
